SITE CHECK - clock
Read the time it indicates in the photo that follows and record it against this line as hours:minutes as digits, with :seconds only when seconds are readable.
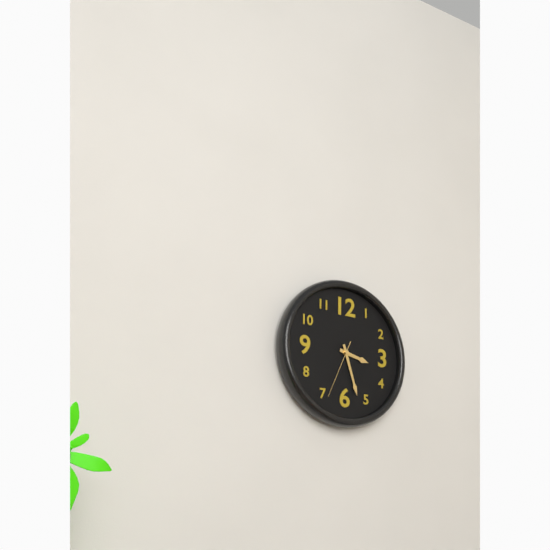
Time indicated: 3:27:34
